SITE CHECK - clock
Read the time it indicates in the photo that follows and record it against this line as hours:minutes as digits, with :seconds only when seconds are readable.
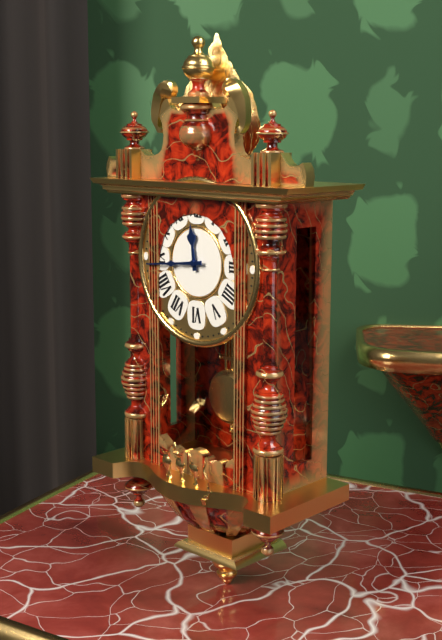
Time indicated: 11:44
